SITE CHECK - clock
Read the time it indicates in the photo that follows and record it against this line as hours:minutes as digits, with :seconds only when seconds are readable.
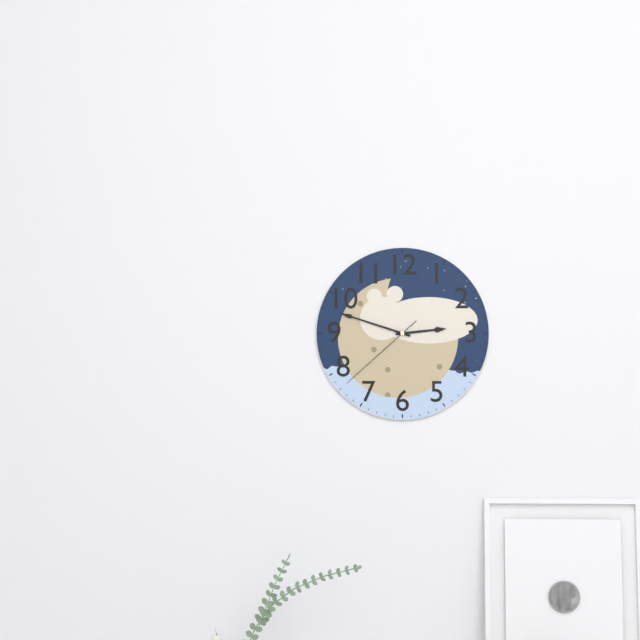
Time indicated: 2:48:38
